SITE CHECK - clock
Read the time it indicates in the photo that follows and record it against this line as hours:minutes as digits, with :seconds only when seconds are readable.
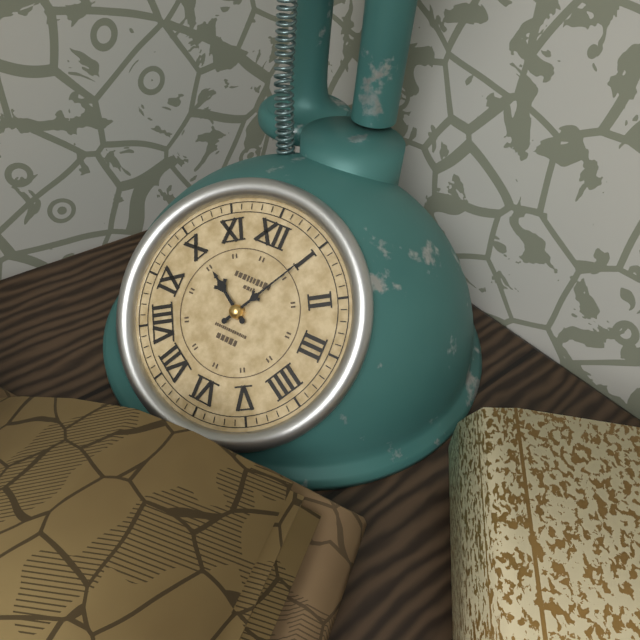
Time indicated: 10:05
